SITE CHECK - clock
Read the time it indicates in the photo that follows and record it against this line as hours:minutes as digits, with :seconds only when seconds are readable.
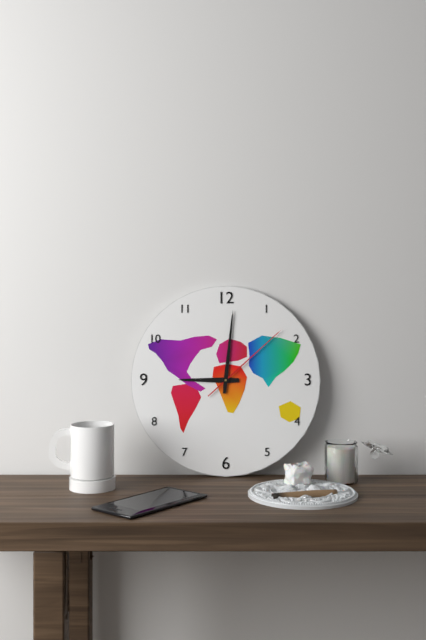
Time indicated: 9:01:08
